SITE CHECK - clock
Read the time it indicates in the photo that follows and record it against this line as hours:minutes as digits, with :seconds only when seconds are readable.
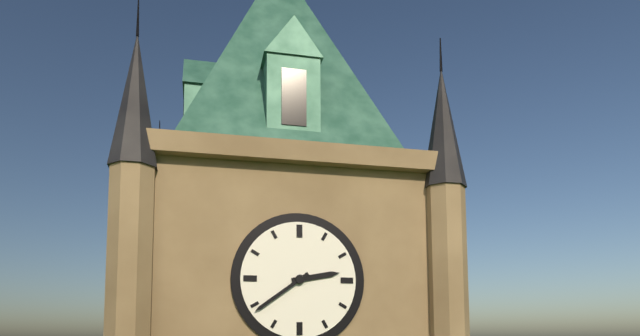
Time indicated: 2:39
